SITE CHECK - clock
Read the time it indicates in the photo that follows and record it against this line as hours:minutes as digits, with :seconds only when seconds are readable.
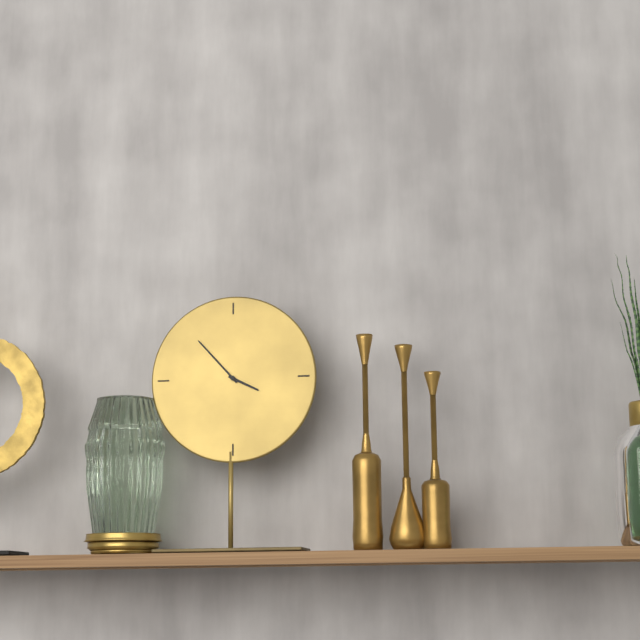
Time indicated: 3:53
